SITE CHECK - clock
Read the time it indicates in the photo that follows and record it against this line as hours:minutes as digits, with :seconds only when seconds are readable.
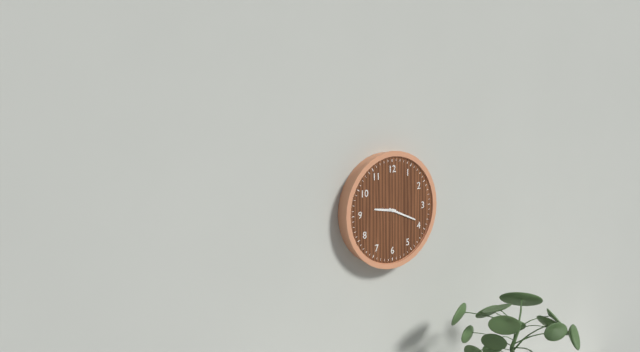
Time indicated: 9:19
